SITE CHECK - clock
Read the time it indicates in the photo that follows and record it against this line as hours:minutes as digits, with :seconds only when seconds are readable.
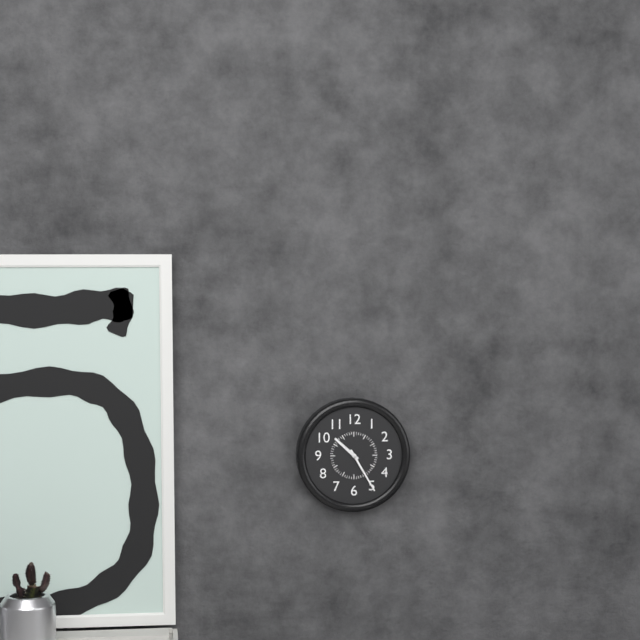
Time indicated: 10:25
